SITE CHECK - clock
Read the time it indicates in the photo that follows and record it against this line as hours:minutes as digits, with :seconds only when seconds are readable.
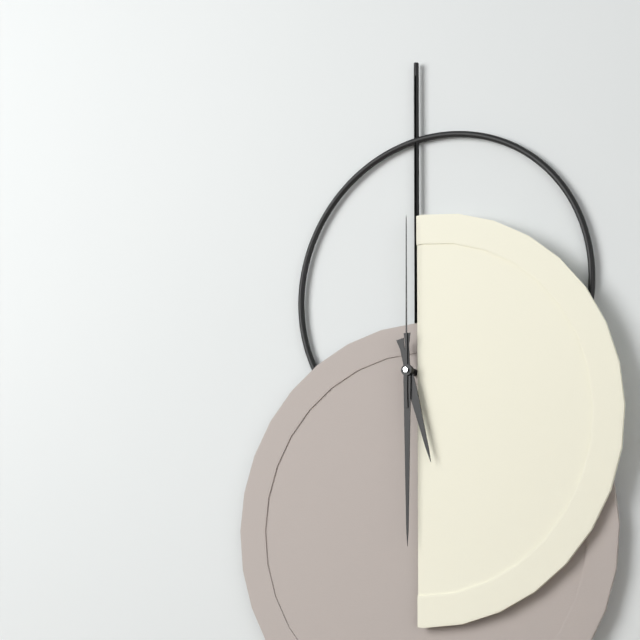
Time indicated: 5:30:00
